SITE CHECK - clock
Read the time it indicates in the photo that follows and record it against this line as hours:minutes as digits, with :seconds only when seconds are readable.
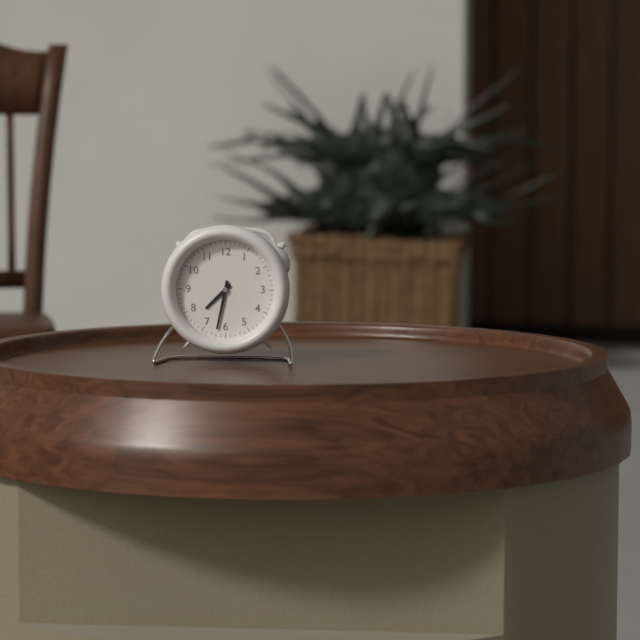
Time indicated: 7:32
